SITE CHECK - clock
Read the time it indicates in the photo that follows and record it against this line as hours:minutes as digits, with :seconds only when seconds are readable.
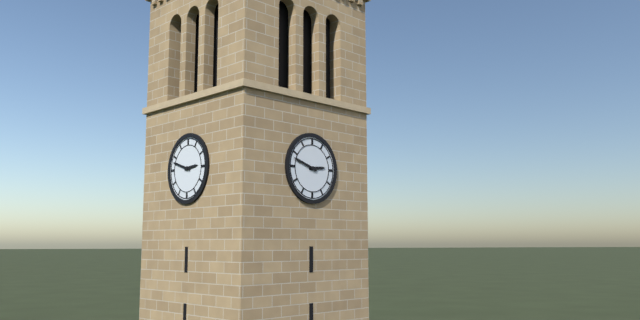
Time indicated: 2:48
